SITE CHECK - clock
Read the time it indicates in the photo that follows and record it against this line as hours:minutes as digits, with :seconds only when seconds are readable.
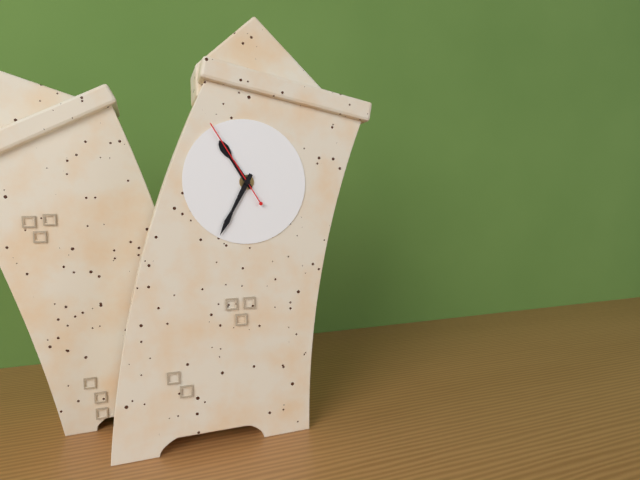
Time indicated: 10:33:53
